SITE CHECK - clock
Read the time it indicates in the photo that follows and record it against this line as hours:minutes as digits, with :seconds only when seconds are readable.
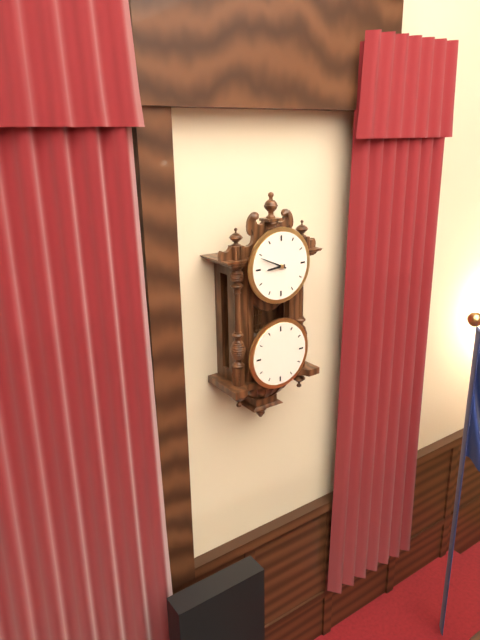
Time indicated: 8:49
